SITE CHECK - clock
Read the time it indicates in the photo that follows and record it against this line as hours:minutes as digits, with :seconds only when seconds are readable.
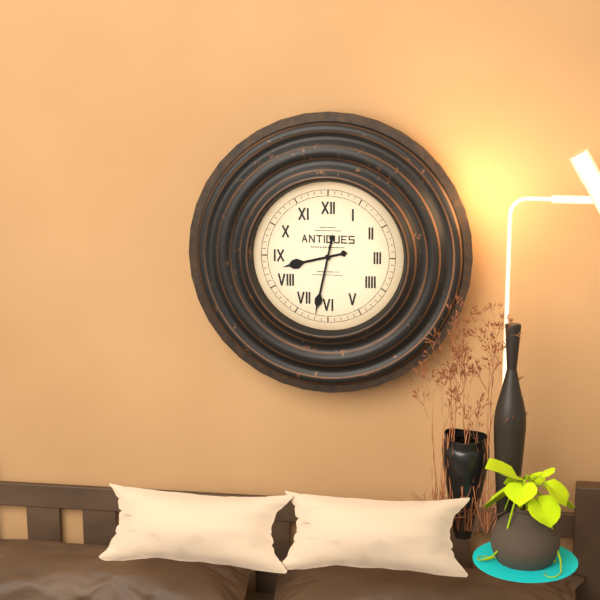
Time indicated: 8:32
